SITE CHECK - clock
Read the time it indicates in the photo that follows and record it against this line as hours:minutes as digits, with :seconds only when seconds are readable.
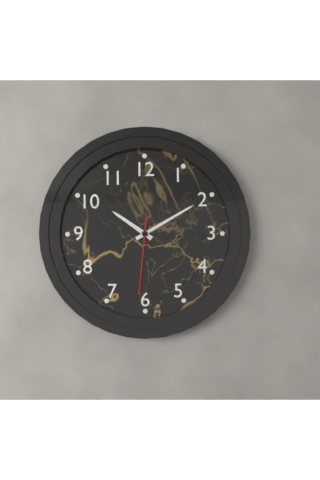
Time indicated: 10:10:31
